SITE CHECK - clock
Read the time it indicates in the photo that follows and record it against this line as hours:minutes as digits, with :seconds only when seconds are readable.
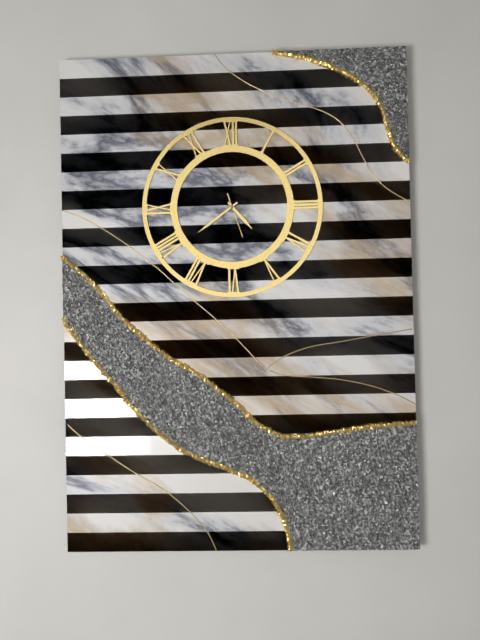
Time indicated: 4:39
